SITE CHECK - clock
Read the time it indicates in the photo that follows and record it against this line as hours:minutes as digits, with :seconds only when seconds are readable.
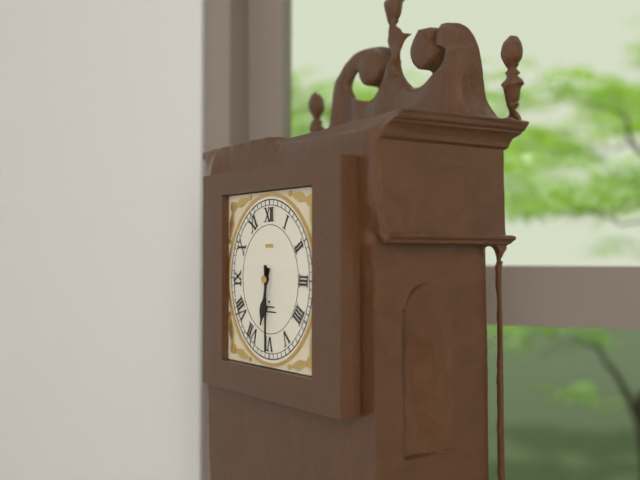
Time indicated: 6:30
